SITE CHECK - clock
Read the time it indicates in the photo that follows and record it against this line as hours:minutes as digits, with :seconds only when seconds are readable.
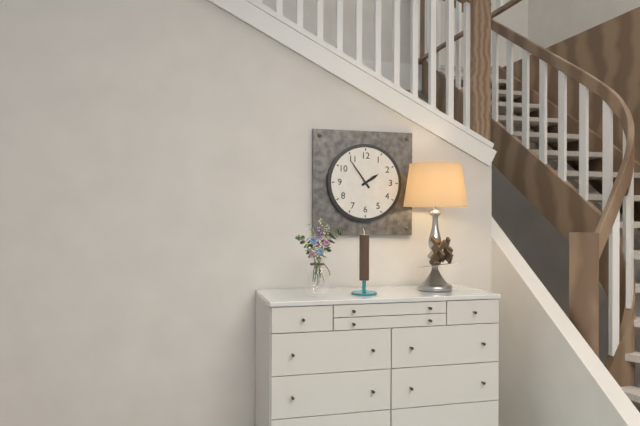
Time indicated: 1:54
